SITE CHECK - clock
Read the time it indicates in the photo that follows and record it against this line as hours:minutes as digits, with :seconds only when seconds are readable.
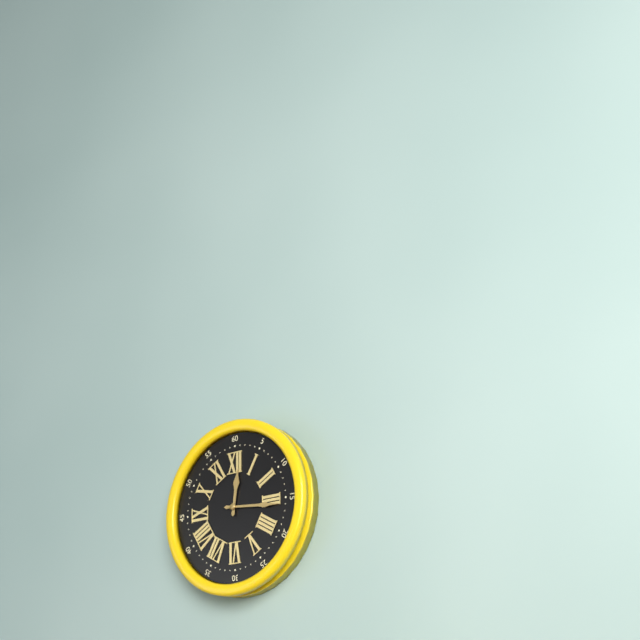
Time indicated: 12:16
